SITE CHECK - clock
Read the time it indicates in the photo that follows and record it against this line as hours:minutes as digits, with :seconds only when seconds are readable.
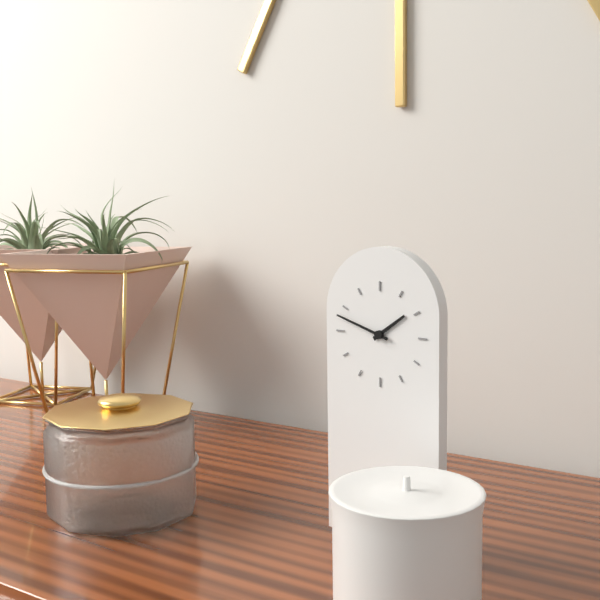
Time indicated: 1:48
